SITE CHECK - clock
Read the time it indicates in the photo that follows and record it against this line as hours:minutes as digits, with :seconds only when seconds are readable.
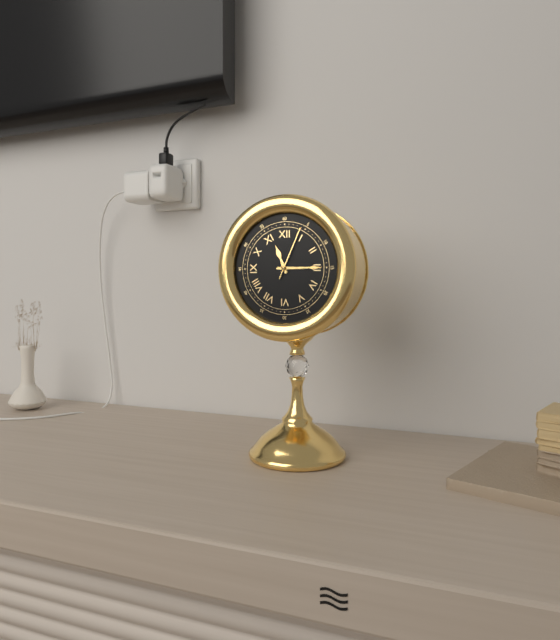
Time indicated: 11:15:04
